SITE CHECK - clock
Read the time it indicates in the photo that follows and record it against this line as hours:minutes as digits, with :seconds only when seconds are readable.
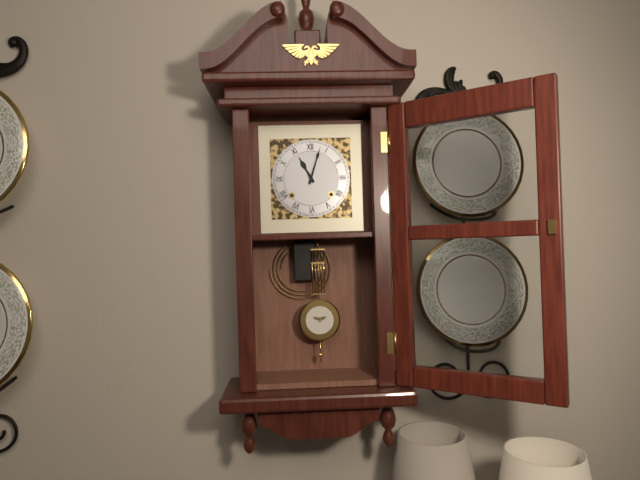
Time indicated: 11:03
